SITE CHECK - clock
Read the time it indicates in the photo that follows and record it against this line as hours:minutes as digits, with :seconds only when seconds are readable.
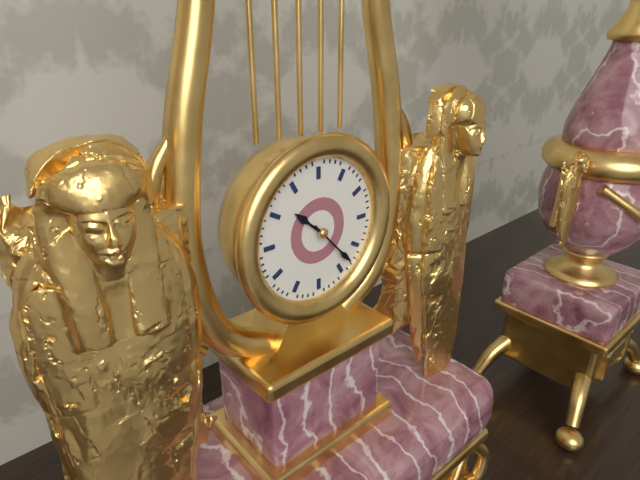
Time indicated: 10:23
